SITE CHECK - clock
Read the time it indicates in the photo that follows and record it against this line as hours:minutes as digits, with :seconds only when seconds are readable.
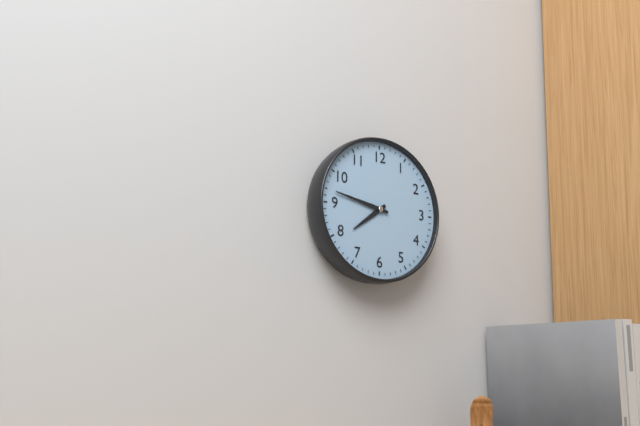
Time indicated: 7:47
